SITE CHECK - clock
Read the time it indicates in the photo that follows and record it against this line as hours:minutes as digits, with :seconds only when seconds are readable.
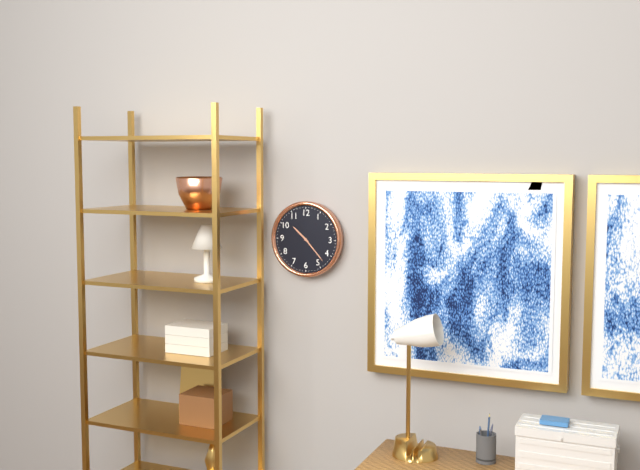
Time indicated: 10:23
